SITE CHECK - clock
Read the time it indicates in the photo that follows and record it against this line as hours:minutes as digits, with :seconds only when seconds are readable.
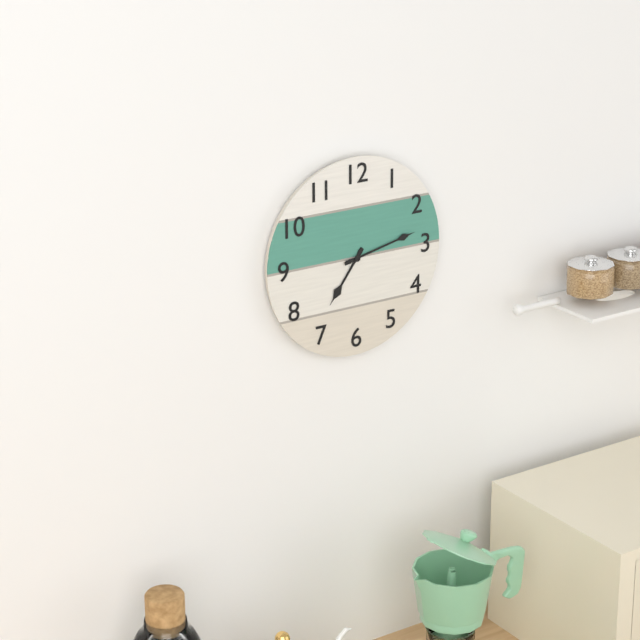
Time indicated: 7:13
